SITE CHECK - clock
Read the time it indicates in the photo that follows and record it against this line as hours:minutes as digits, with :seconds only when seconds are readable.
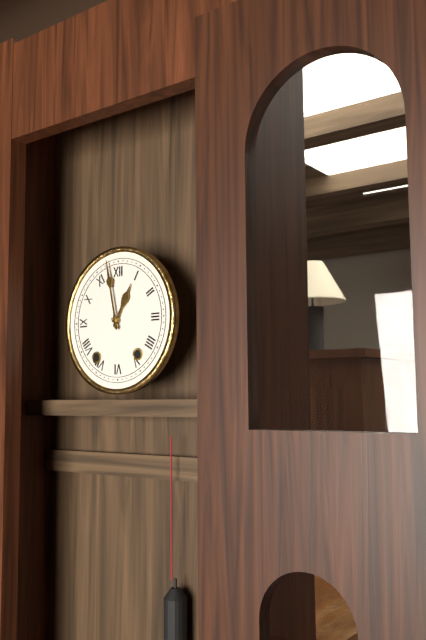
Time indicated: 12:58
